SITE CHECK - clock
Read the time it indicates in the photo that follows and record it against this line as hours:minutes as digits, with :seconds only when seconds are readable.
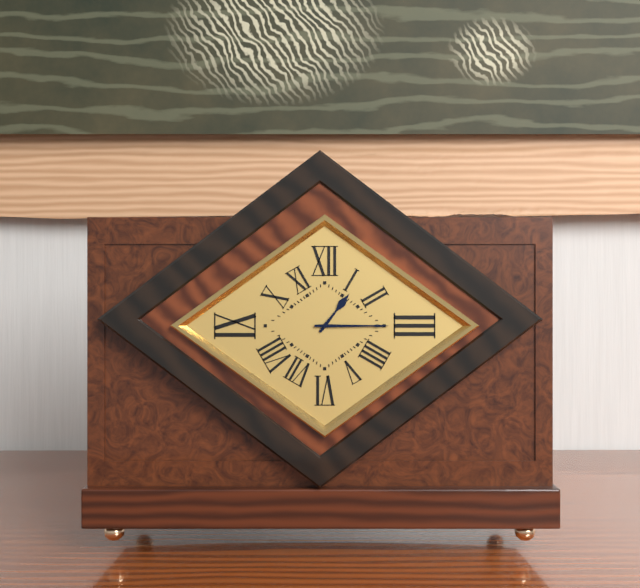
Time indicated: 1:15
